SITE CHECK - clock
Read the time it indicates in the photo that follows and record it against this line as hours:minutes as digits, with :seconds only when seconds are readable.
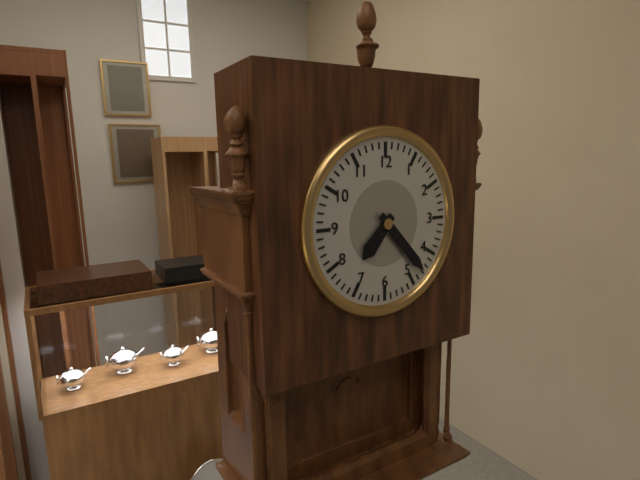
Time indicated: 7:23
